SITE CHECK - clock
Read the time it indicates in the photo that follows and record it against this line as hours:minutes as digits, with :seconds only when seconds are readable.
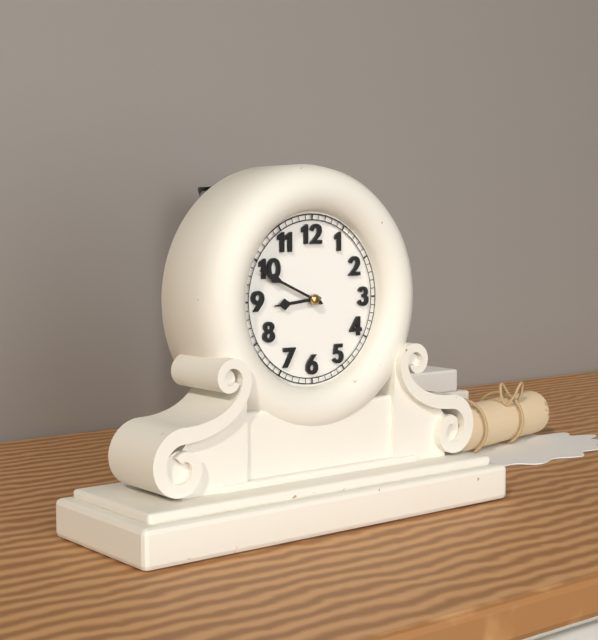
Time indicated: 8:49
